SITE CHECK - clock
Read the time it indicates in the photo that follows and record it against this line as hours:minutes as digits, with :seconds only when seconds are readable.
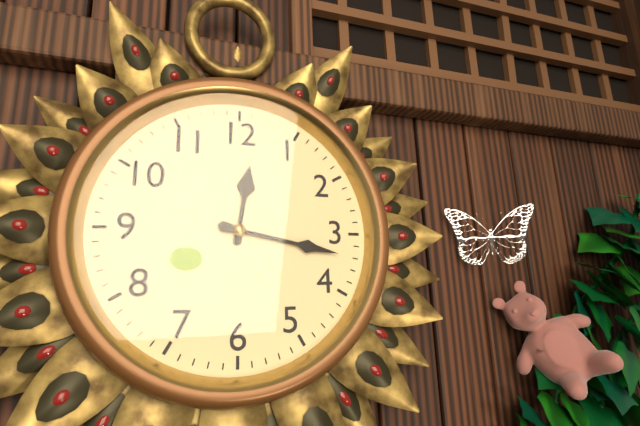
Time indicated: 12:17
